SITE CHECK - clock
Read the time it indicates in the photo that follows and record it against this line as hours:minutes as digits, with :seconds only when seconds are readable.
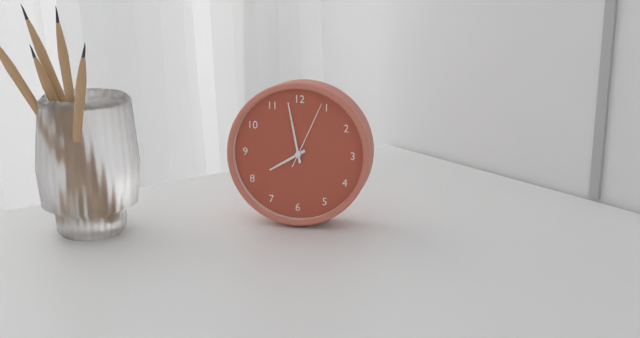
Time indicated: 7:58:04
